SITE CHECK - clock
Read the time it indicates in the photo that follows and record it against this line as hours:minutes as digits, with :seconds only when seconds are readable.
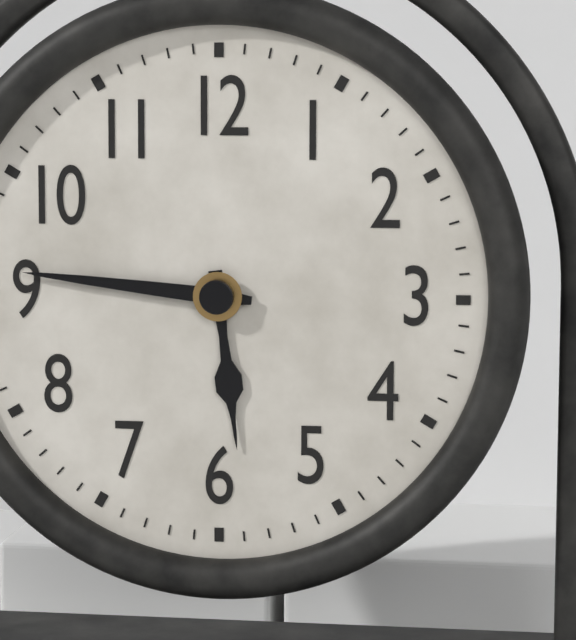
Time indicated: 5:46
